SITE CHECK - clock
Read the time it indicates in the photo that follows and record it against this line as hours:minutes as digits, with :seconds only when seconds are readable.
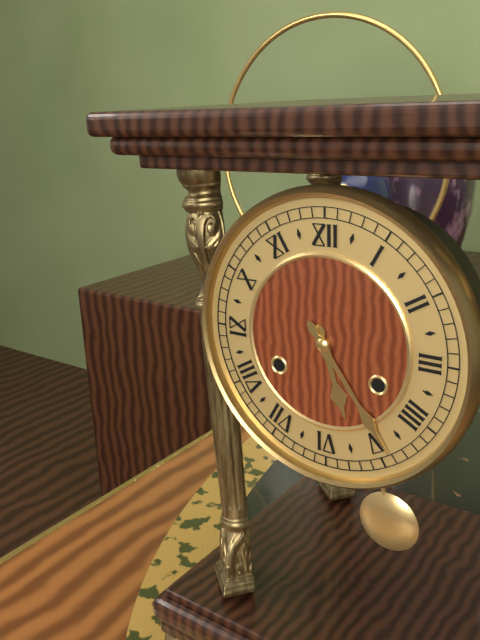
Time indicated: 5:24
